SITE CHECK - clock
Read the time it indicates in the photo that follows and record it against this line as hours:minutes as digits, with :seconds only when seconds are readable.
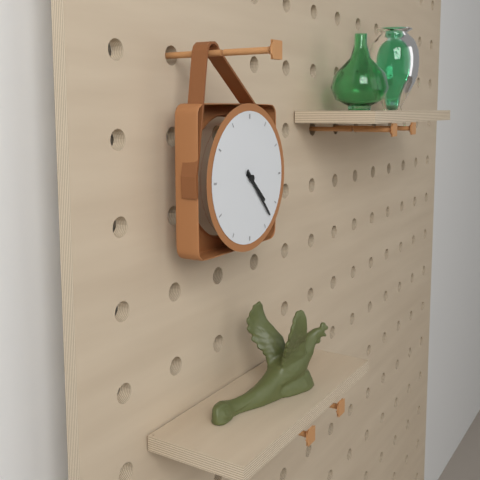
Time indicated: 4:23
